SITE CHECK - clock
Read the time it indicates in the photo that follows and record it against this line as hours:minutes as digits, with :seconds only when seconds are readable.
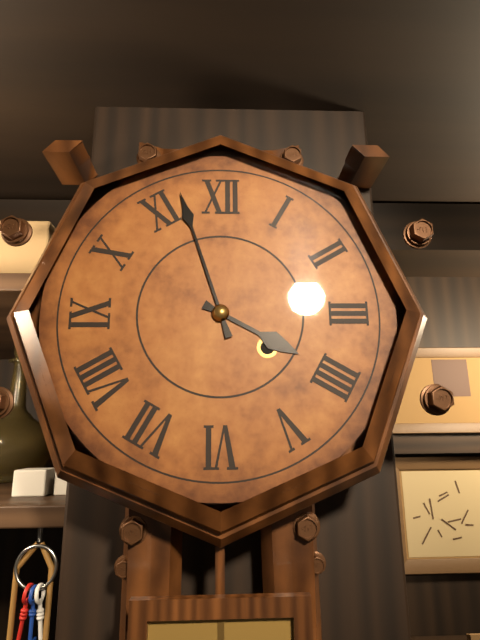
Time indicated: 3:57
